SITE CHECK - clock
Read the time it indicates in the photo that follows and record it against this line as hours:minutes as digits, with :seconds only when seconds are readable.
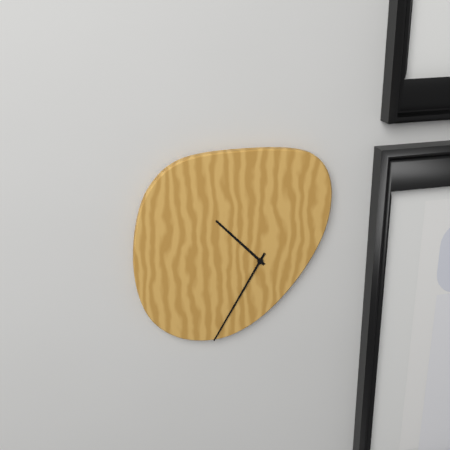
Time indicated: 10:35
